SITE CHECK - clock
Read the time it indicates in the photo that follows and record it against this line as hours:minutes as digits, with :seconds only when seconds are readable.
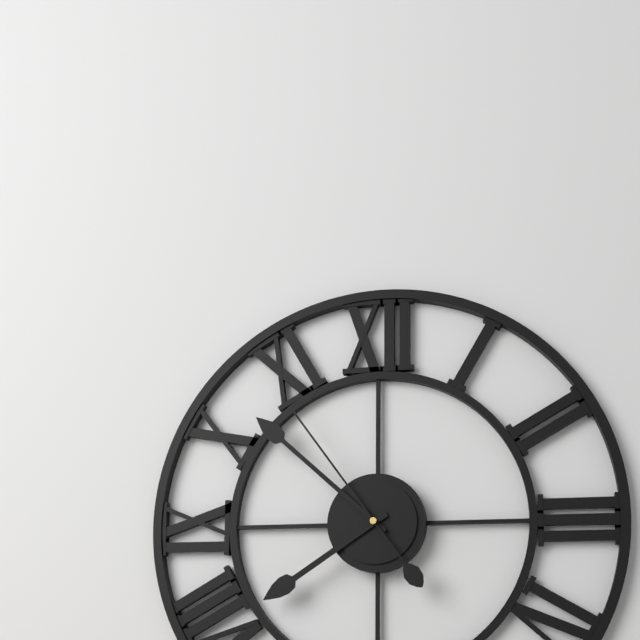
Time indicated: 7:52:54
